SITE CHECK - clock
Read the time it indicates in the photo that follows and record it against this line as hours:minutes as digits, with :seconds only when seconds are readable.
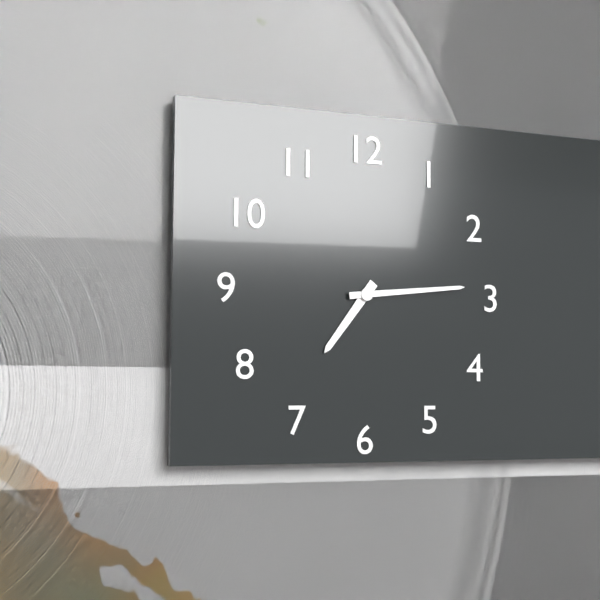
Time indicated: 7:14
